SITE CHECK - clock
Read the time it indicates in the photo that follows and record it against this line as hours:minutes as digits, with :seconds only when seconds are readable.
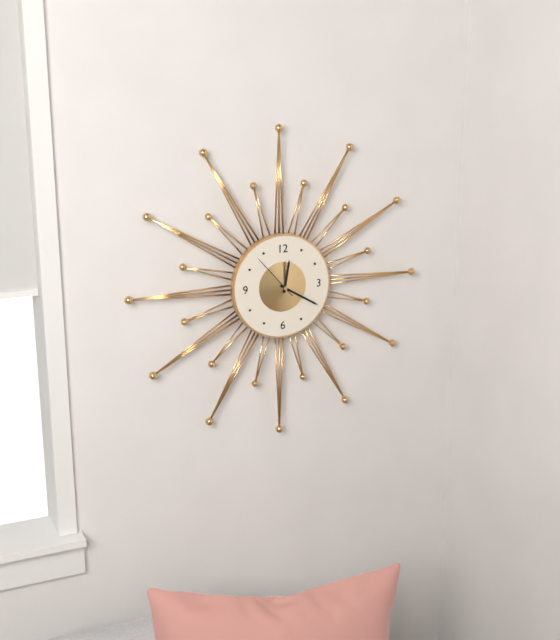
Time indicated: 12:20:53
